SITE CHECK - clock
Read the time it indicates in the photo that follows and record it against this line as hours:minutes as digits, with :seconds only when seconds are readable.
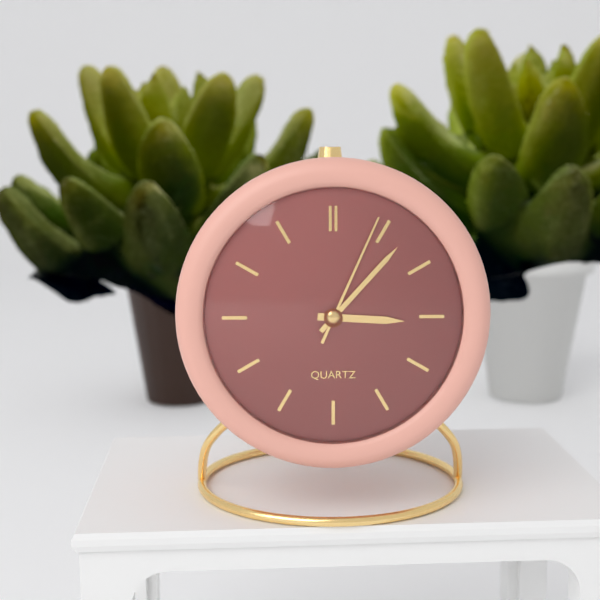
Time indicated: 3:07:04
